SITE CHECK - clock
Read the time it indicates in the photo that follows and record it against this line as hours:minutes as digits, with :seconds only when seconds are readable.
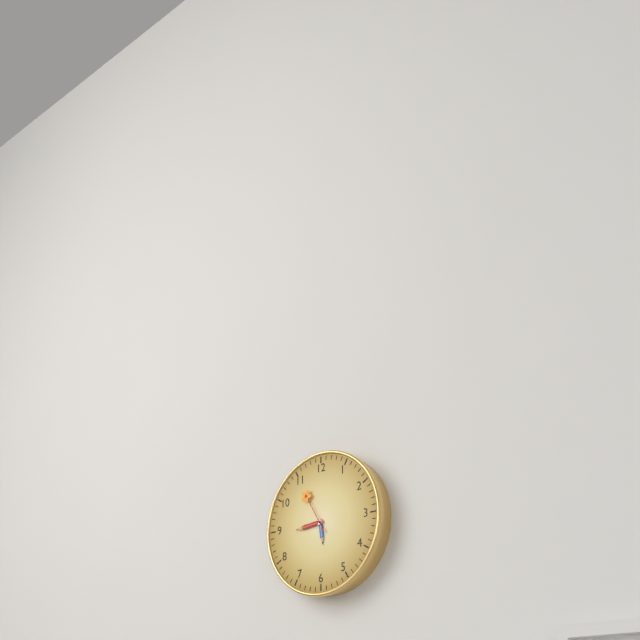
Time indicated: 5:44
